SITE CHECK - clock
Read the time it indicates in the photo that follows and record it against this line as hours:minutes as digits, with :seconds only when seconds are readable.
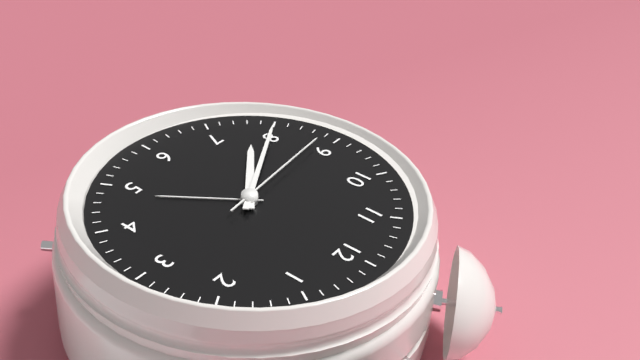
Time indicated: 7:40:44
